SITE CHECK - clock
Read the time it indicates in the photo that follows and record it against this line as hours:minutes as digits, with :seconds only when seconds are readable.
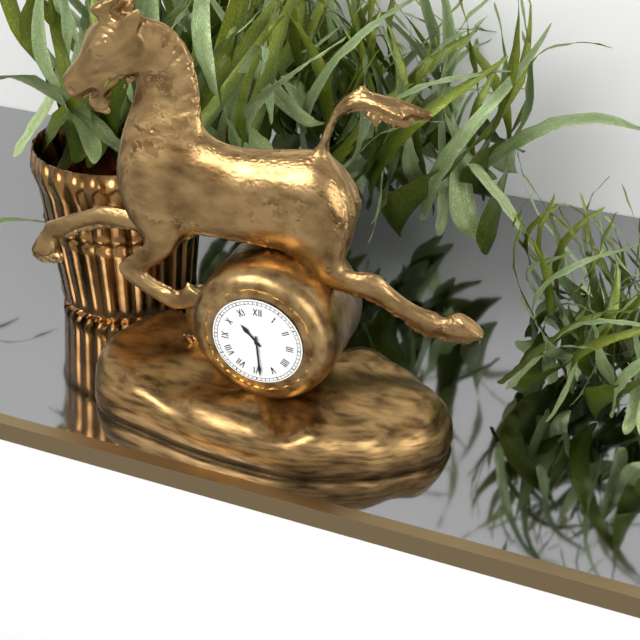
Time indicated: 10:29
